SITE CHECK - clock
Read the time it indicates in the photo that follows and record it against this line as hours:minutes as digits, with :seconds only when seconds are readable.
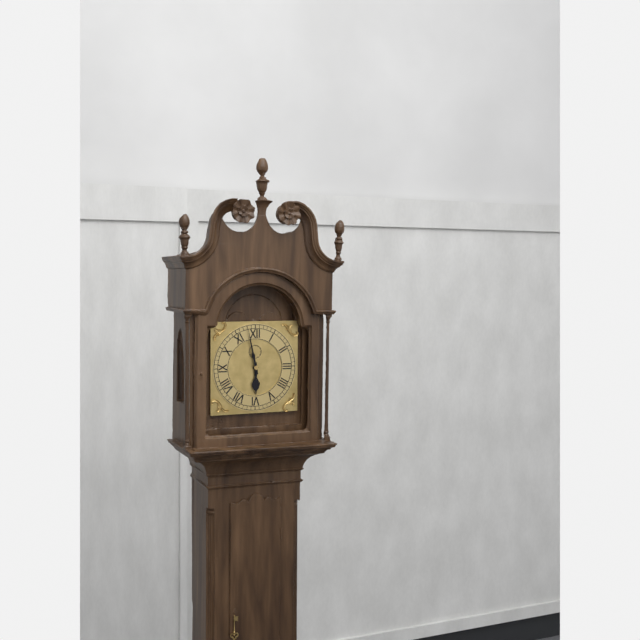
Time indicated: 5:58
